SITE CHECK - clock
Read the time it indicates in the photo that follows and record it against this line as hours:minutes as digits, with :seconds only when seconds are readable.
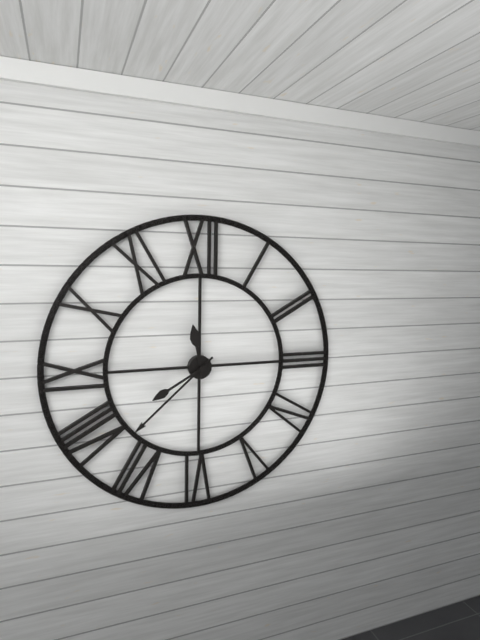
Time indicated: 11:38:40
